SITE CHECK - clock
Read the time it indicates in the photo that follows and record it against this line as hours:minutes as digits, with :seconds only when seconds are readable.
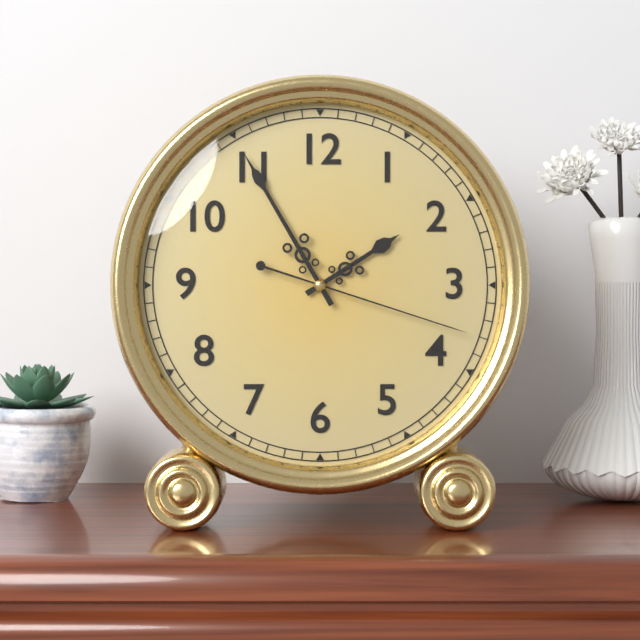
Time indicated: 1:55:18
